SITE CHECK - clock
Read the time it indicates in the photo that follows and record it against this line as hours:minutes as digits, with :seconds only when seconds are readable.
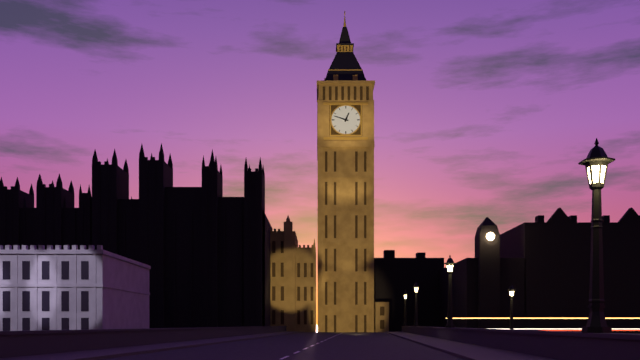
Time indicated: 12:48
